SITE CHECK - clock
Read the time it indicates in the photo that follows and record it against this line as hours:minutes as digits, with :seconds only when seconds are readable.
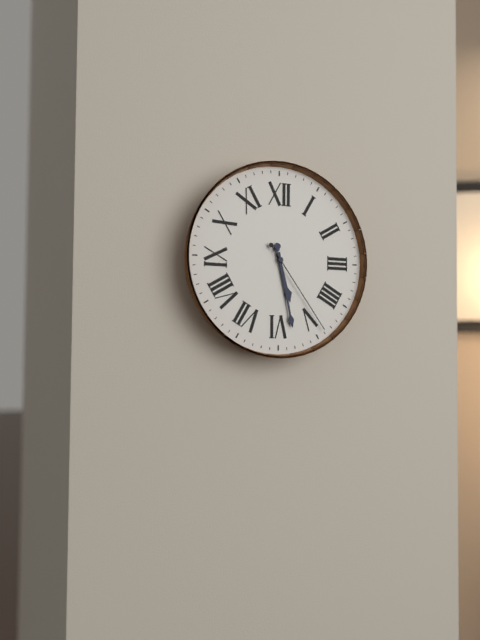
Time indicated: 5:28:24
